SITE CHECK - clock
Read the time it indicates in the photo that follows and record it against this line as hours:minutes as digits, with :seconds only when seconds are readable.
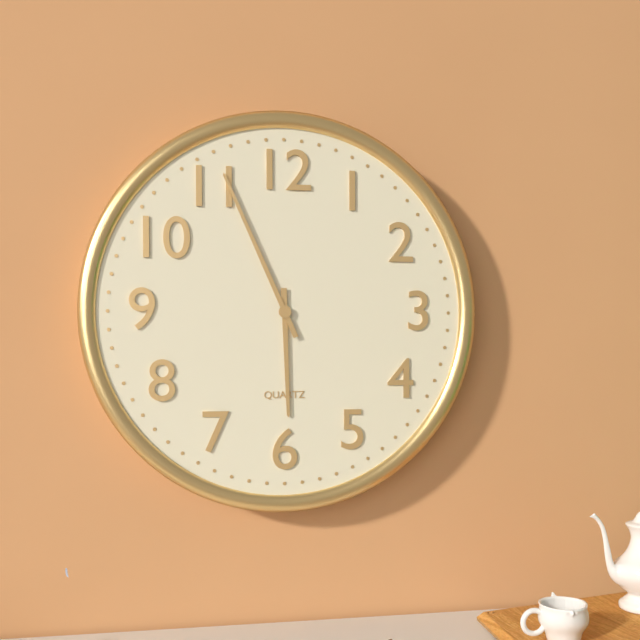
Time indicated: 5:56
